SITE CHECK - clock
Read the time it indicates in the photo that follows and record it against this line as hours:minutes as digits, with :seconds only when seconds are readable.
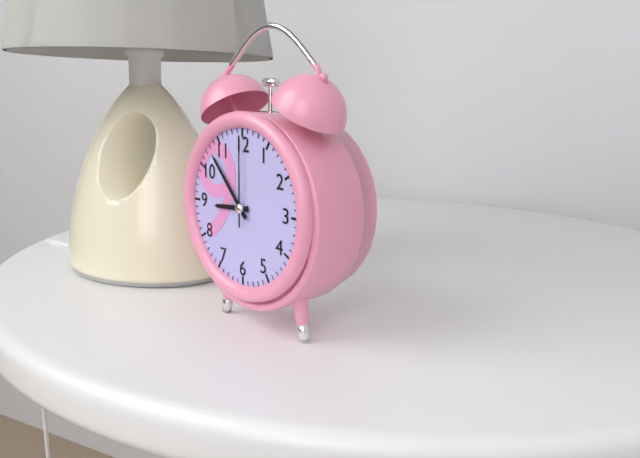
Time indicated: 8:53:00
